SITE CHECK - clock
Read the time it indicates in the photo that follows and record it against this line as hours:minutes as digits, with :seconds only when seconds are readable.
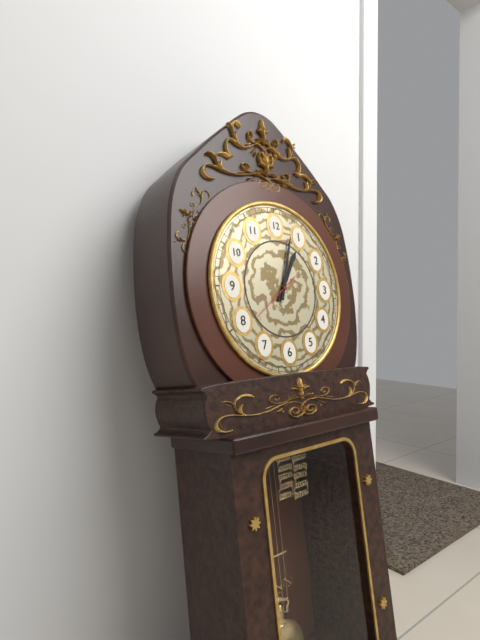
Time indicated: 1:03
